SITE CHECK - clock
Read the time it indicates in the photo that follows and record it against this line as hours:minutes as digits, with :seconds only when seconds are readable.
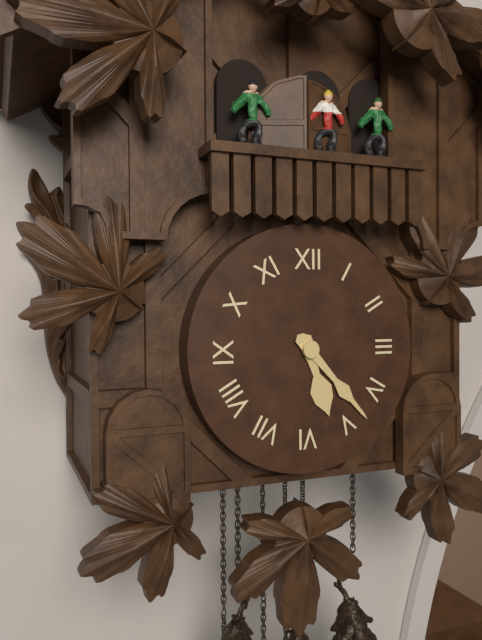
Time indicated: 5:23
